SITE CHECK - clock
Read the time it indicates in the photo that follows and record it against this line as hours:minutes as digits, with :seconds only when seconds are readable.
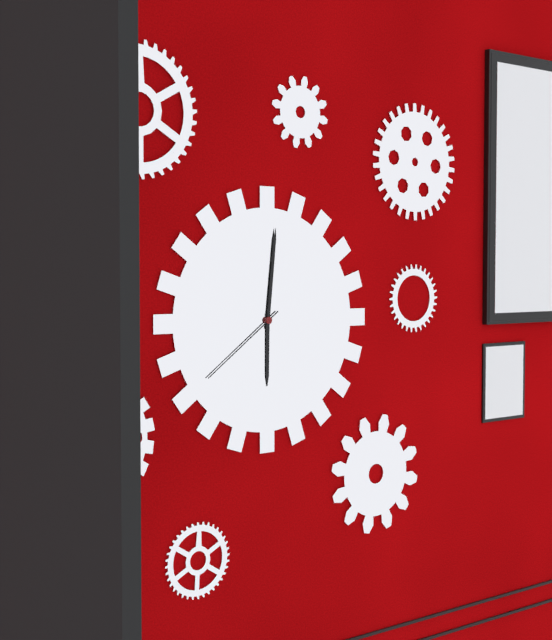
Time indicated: 6:01:39
